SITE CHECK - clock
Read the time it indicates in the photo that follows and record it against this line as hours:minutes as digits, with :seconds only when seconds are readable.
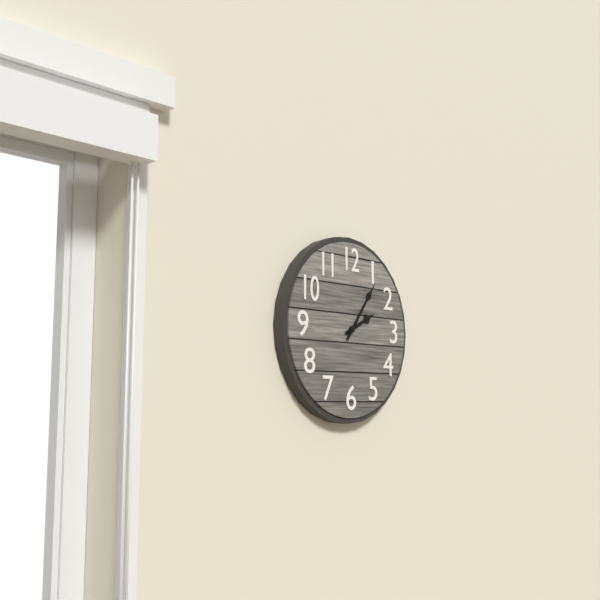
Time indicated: 2:06
